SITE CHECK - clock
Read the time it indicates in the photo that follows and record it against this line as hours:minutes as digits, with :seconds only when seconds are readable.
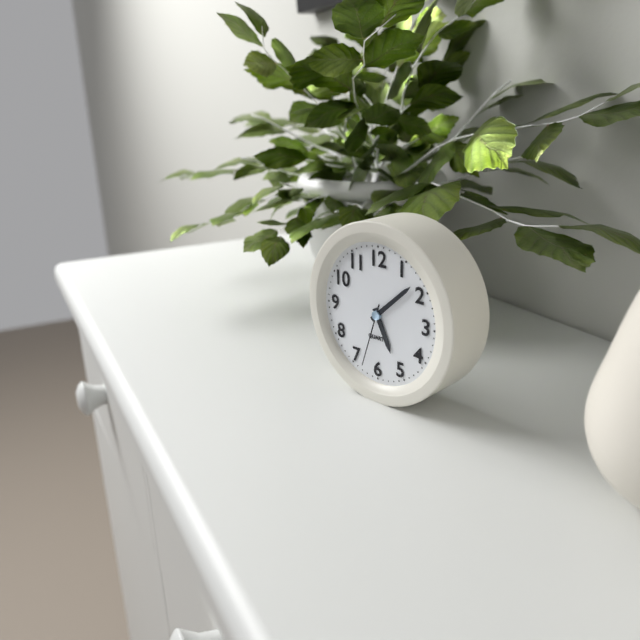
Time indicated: 5:08:33
